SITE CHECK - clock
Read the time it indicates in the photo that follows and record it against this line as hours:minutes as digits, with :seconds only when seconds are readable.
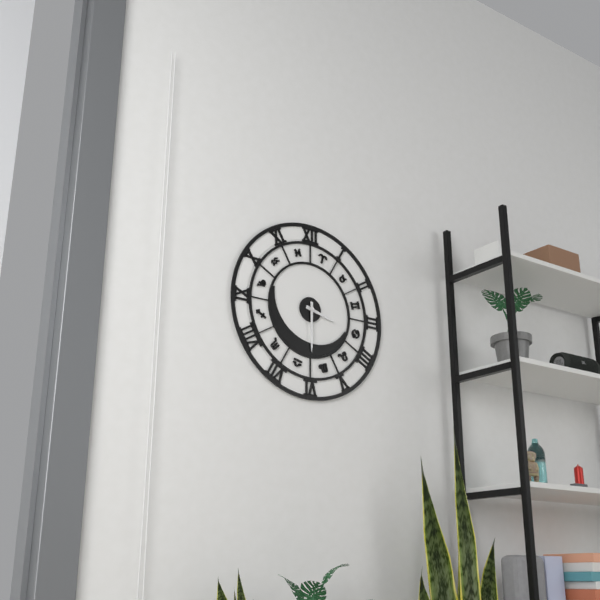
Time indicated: 3:30
